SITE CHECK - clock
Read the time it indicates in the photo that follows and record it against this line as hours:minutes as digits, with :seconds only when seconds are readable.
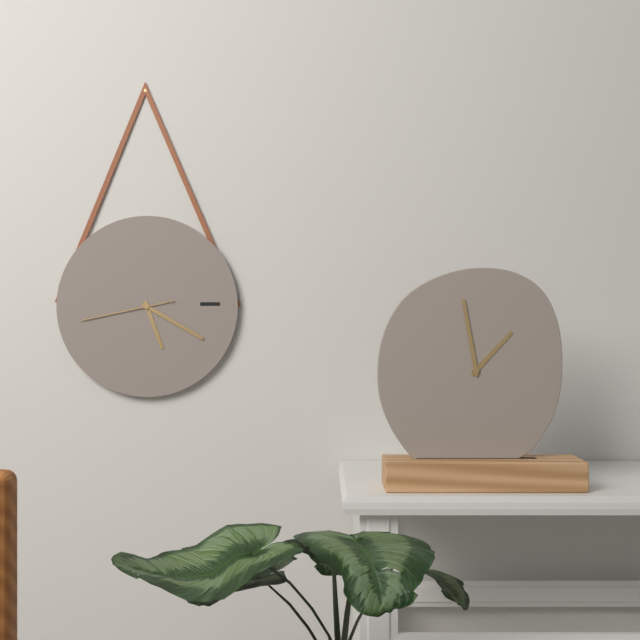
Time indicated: 5:20:43
